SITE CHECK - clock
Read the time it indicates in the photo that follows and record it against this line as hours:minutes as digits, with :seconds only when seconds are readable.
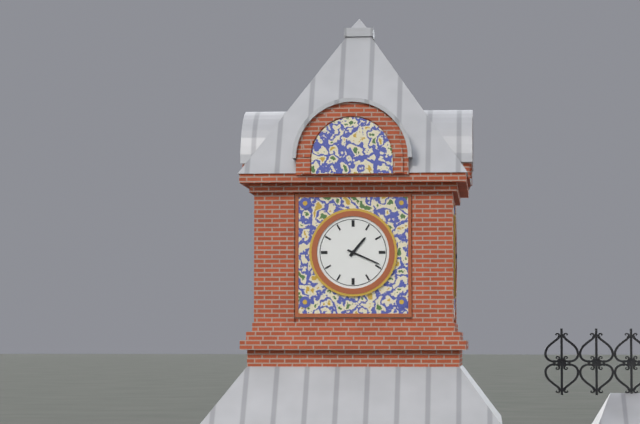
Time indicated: 1:19
